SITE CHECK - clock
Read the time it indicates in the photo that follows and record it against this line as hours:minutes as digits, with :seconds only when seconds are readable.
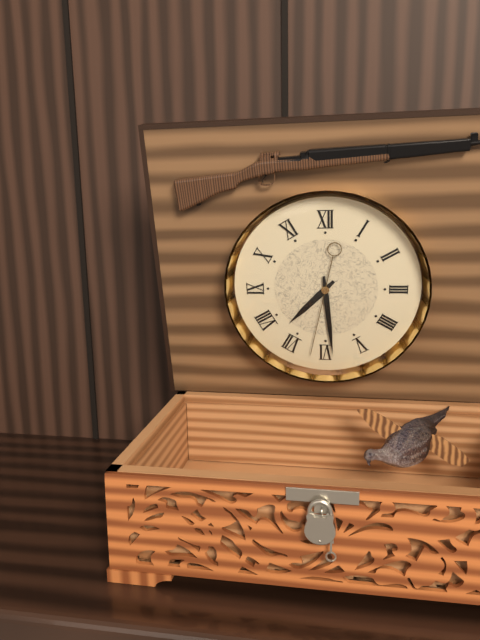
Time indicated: 7:29:32
